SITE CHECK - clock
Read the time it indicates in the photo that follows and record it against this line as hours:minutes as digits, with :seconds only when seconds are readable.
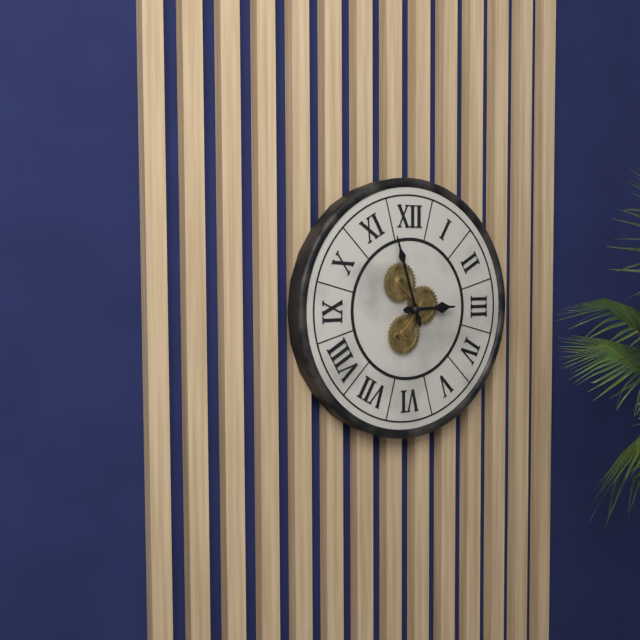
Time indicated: 2:57
